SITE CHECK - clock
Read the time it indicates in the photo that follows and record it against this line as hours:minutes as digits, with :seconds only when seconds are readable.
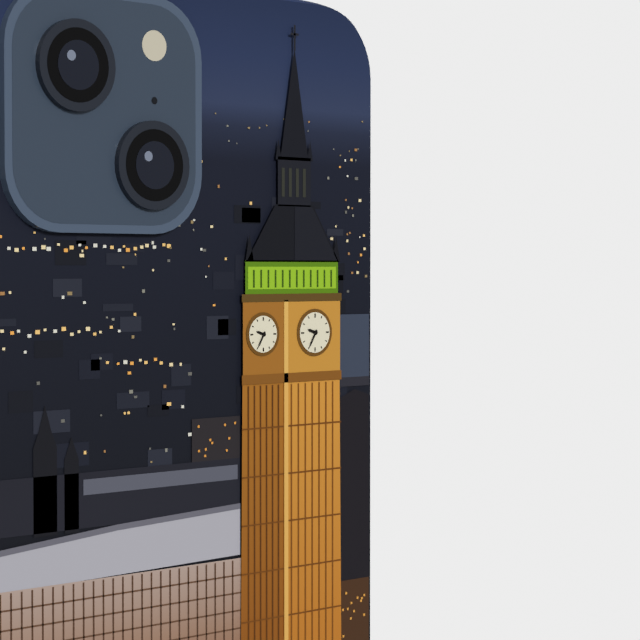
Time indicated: 9:35
